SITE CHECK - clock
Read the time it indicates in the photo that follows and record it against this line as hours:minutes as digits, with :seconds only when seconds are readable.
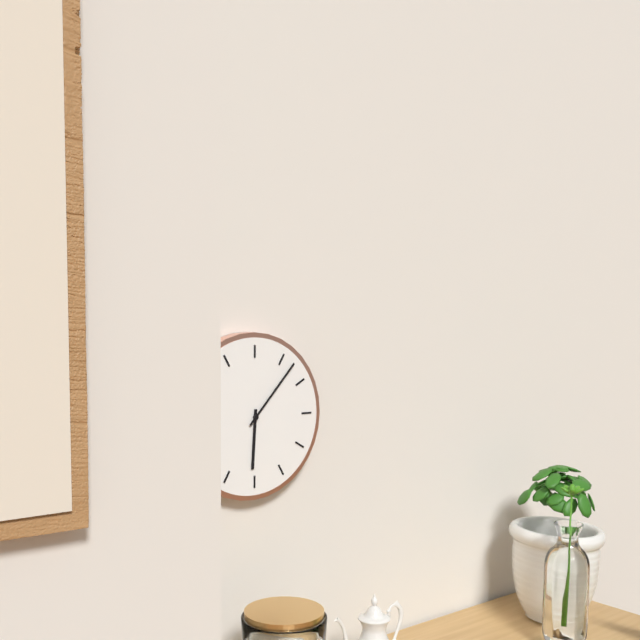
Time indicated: 6:07
